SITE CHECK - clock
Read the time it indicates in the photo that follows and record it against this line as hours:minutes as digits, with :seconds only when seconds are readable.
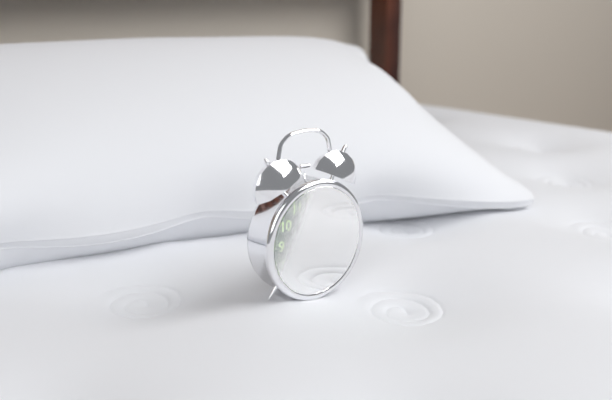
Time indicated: 8:09:56
